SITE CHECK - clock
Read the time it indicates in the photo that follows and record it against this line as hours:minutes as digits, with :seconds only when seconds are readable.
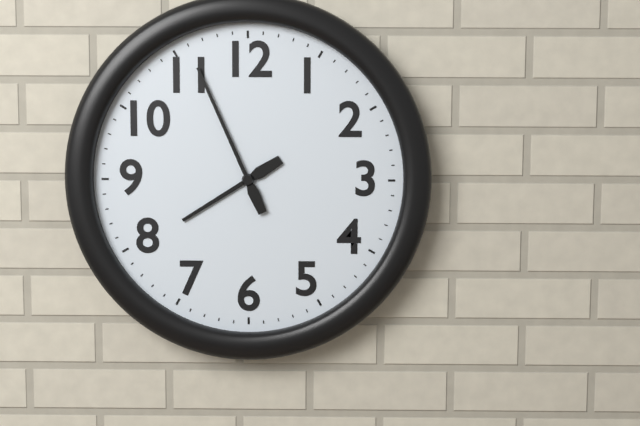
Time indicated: 7:56
